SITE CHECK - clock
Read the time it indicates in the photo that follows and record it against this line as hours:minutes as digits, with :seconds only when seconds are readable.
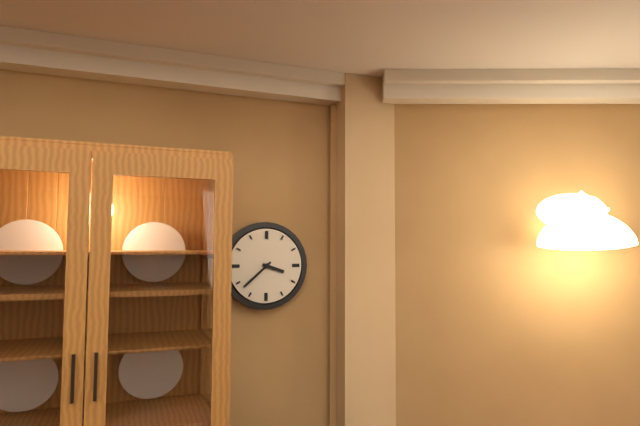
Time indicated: 3:38
